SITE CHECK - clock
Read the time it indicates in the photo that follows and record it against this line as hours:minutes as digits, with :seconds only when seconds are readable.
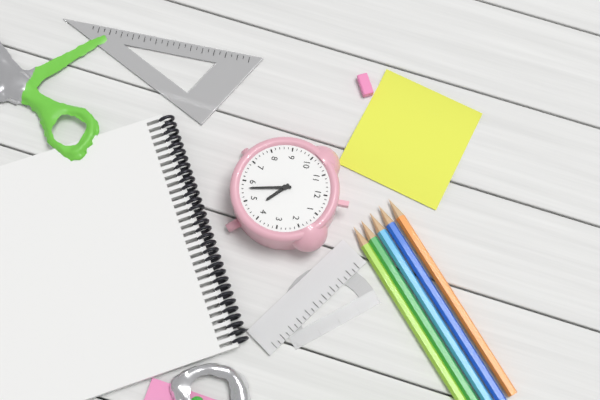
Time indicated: 4:28
